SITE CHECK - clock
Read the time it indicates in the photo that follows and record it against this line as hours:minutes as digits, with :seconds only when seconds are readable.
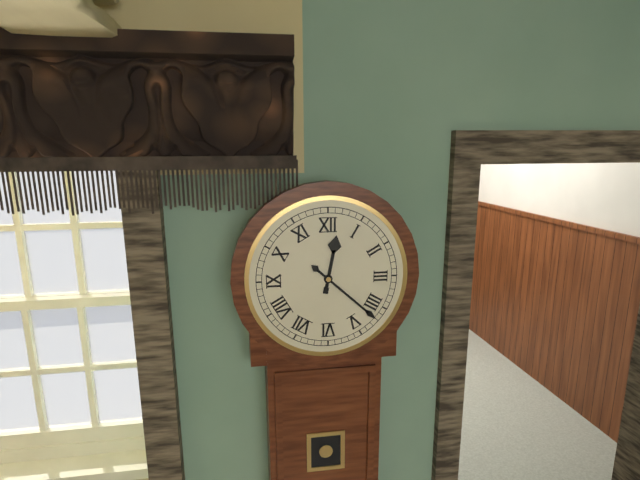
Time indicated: 12:22
